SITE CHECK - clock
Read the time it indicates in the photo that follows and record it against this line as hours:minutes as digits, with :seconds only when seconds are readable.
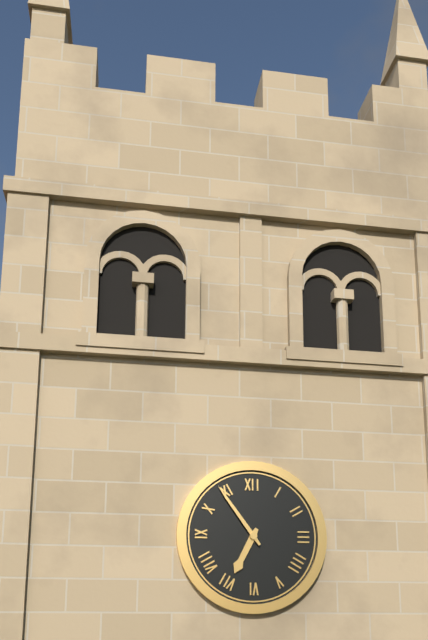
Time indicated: 6:54
